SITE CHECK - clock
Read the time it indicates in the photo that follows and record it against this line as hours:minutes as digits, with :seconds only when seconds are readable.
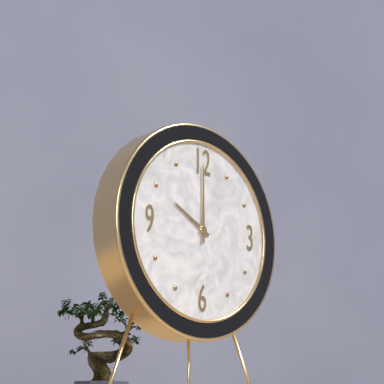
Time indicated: 10:00
